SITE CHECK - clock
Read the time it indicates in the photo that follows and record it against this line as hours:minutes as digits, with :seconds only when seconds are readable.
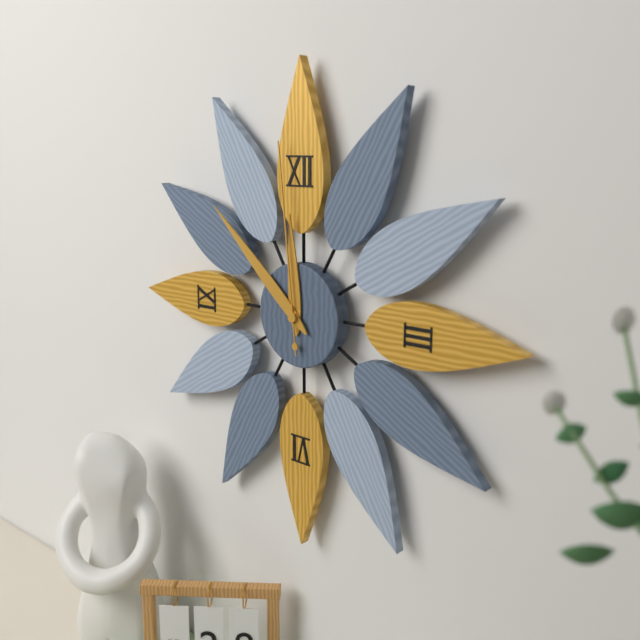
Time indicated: 11:52:59
